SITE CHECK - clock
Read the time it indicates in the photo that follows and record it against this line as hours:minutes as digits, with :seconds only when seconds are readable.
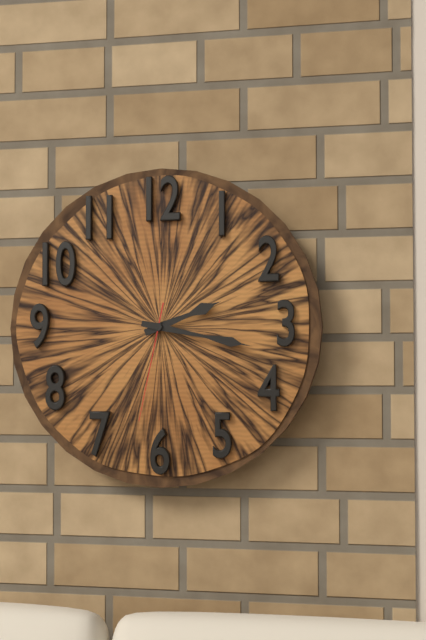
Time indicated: 2:17:32
